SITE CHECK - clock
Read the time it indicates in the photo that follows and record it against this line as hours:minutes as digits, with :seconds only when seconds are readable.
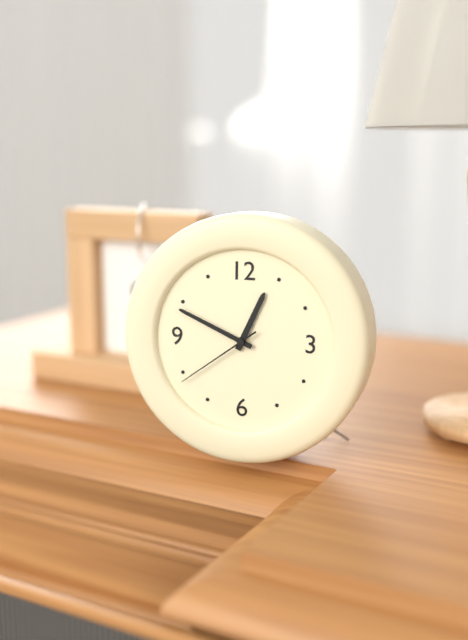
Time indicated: 12:49:39
